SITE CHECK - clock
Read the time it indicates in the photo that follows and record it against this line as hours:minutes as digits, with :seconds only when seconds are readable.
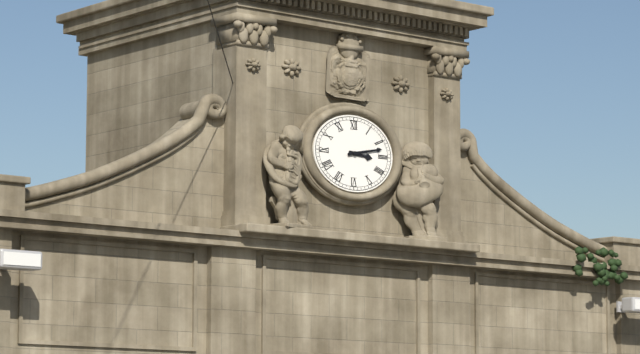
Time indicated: 3:13
